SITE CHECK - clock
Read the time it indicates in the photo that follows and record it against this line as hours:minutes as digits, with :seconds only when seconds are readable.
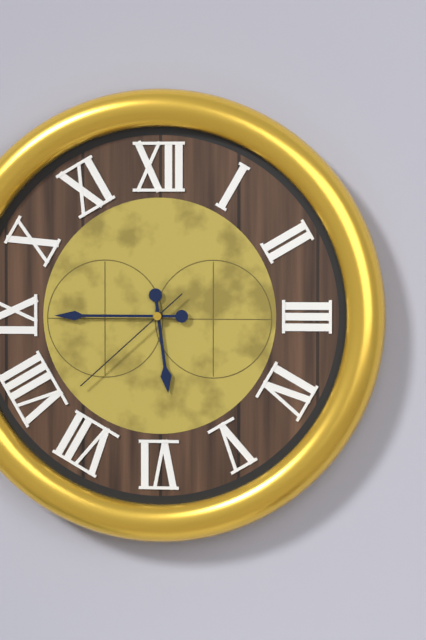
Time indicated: 5:45:38
